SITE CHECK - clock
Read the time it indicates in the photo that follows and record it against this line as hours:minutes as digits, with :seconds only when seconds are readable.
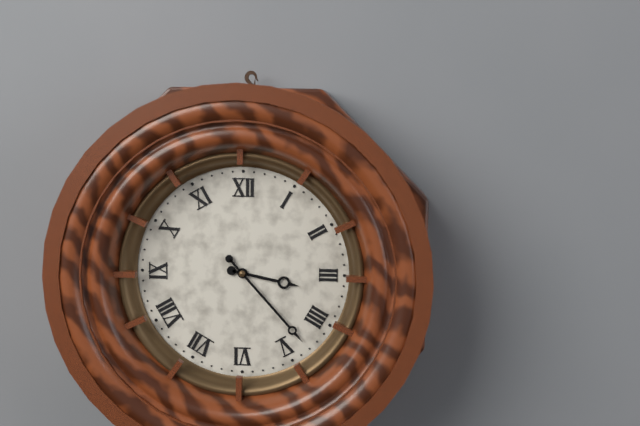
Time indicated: 3:23
